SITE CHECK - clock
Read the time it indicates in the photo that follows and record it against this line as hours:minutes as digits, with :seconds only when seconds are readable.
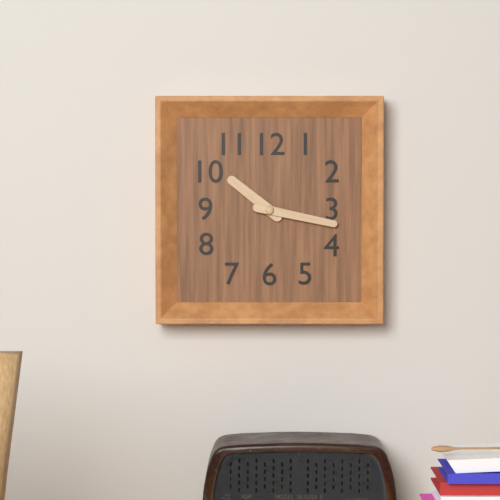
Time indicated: 10:17
